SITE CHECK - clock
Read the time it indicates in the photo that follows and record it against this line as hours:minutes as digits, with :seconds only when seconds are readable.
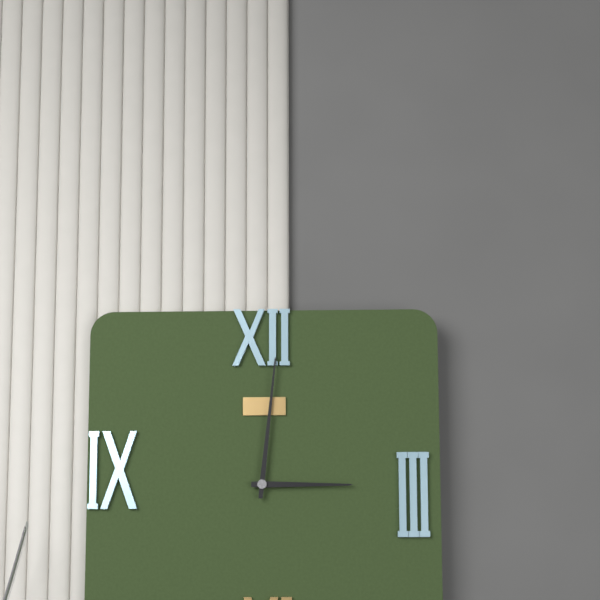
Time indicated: 3:01
